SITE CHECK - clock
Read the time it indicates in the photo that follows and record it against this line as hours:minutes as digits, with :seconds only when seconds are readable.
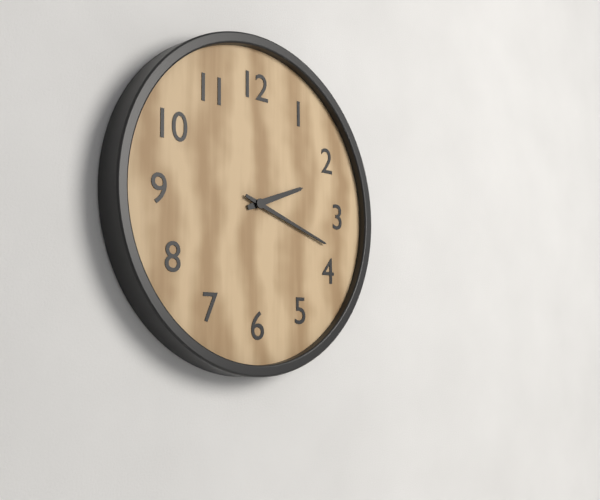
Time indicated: 2:18
